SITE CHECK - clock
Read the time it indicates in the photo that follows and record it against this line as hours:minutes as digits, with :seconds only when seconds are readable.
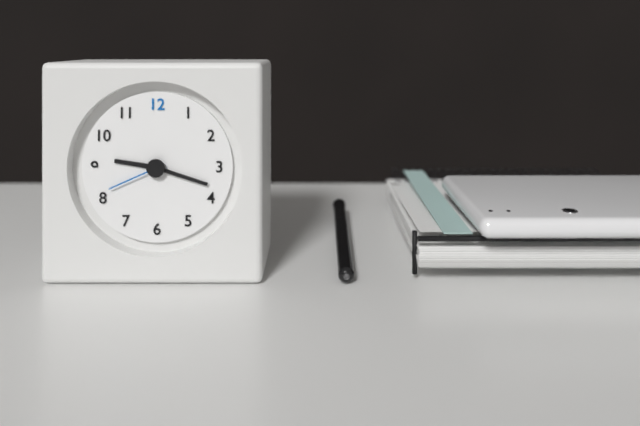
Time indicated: 9:18:41
